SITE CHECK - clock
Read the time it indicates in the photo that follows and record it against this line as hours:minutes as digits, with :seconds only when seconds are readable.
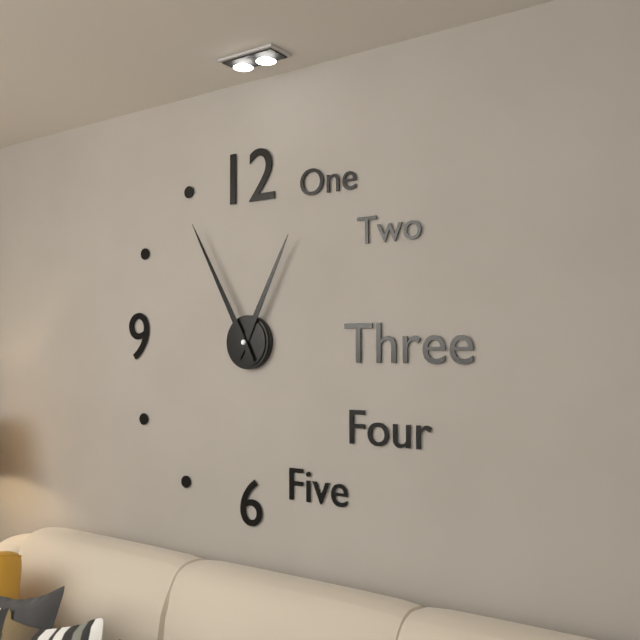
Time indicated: 12:55
